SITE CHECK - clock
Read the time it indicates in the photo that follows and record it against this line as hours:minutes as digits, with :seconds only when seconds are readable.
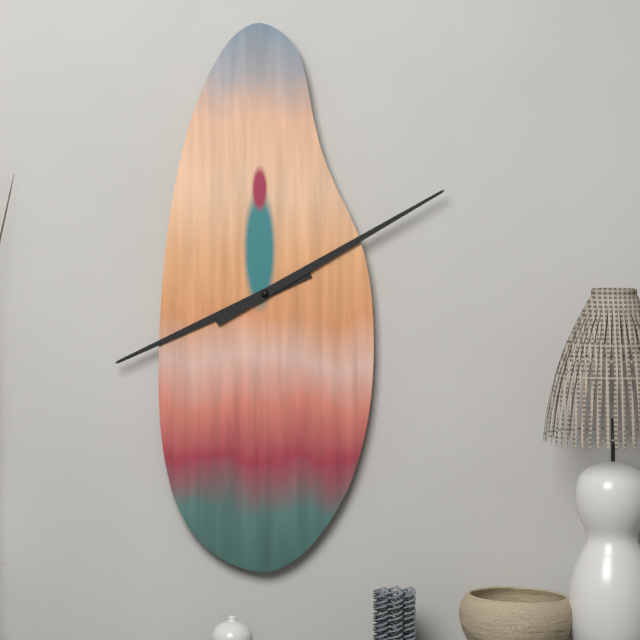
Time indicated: 8:10
